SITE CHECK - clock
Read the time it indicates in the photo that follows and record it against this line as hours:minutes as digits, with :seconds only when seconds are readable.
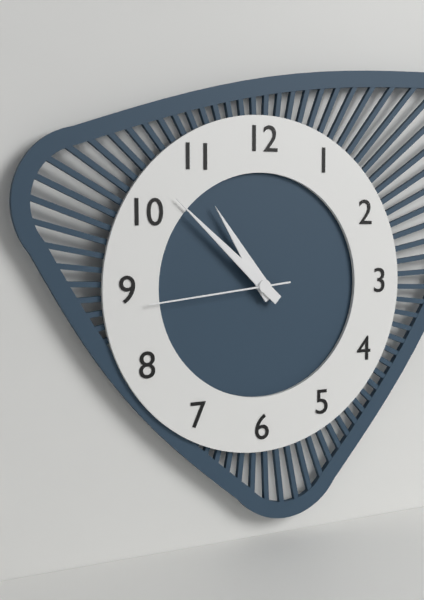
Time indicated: 10:52:44
